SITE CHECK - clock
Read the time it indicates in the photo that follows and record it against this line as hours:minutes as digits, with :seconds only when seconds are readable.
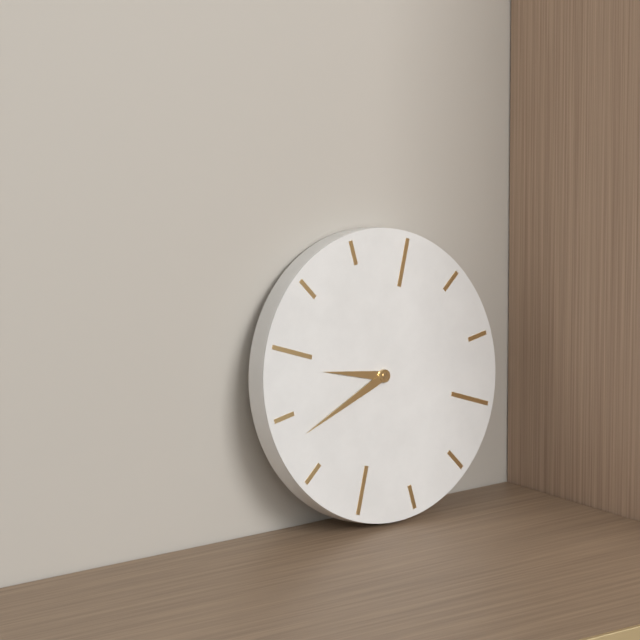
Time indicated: 9:43
